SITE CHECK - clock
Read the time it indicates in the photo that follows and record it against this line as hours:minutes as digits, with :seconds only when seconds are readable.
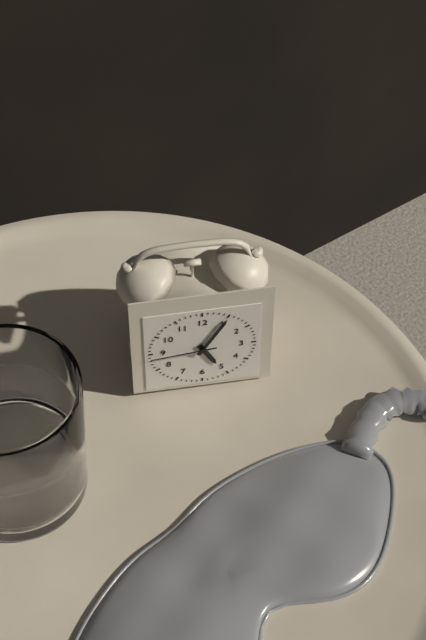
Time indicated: 5:05:44
